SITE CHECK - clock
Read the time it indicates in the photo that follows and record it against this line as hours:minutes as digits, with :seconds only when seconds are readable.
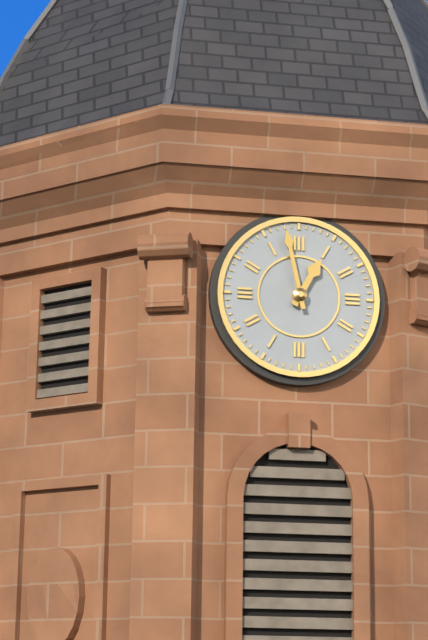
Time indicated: 12:58
